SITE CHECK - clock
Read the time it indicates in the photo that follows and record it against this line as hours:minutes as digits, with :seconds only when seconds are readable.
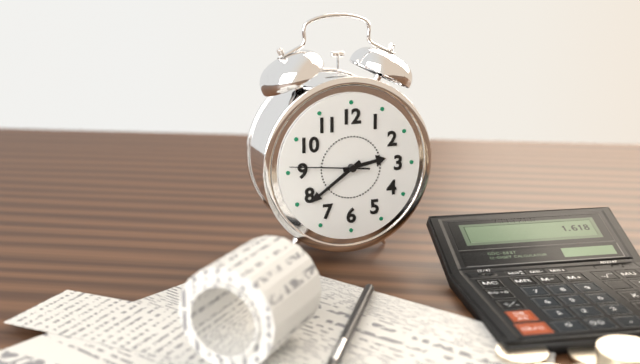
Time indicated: 2:39:46
